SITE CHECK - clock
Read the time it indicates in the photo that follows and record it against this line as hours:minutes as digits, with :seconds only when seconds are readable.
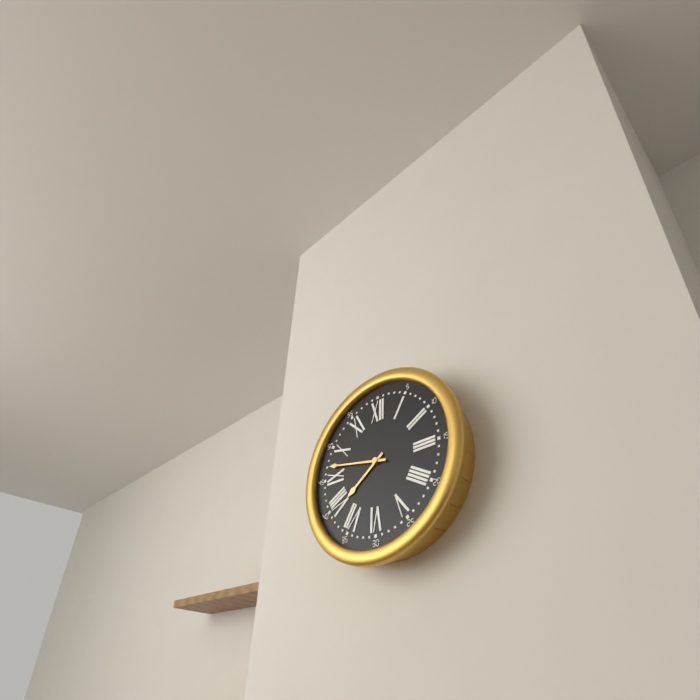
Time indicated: 7:47
